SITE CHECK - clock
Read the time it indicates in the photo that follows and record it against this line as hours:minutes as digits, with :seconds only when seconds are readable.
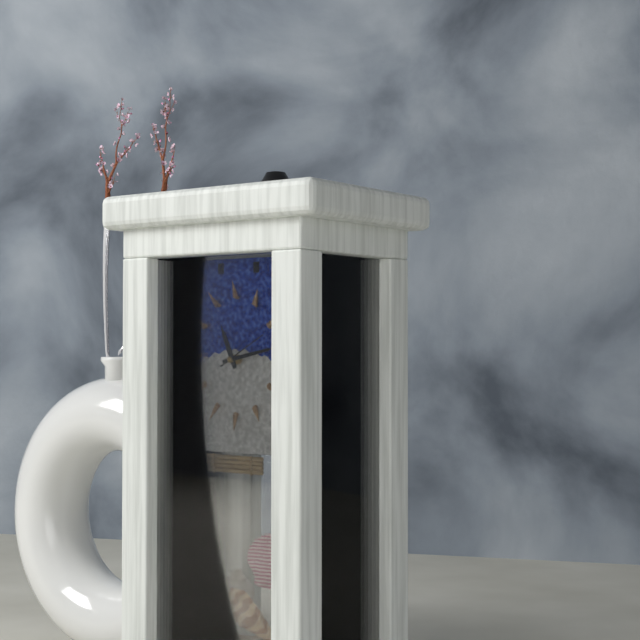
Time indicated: 11:13:10
